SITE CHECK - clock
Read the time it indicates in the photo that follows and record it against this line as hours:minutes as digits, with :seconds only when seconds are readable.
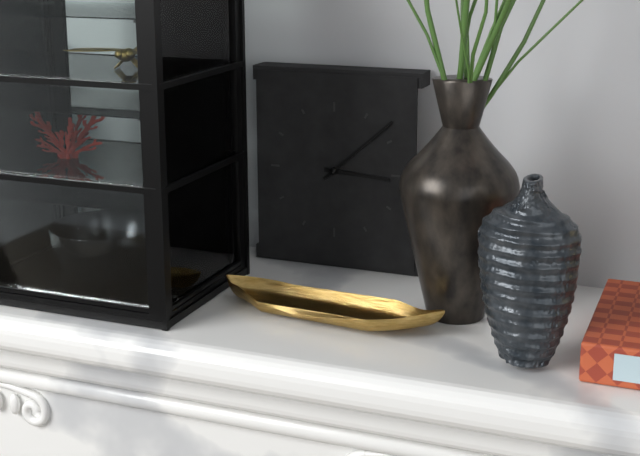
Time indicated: 3:08
